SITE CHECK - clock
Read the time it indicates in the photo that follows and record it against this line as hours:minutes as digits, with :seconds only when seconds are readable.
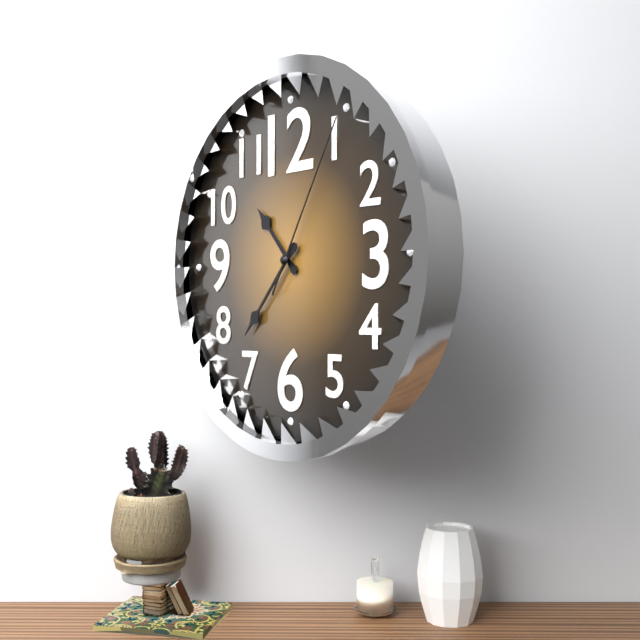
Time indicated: 10:37:05
